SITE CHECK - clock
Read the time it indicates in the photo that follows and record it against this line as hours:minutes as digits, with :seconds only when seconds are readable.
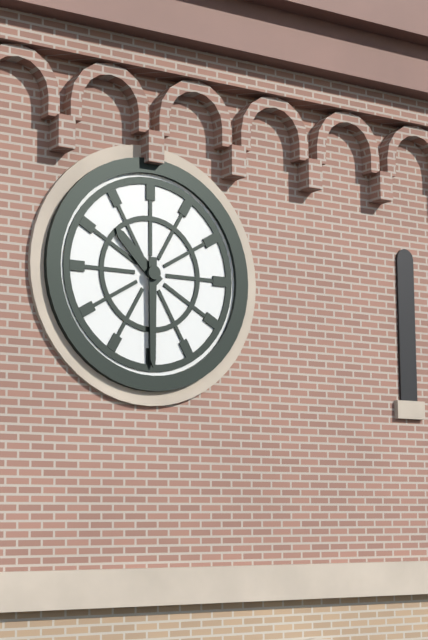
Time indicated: 10:30
